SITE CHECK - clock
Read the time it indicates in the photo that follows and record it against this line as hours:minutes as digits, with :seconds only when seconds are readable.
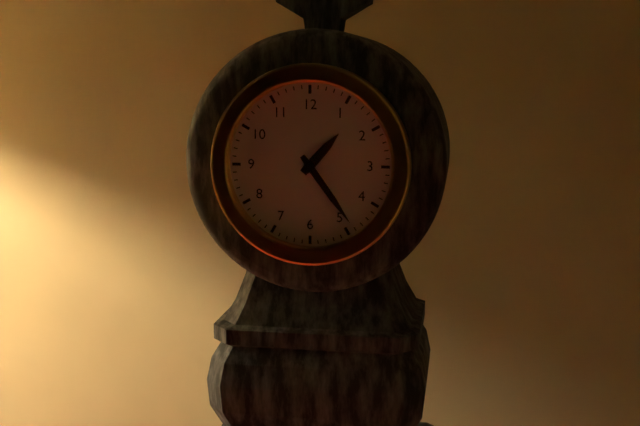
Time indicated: 1:24
